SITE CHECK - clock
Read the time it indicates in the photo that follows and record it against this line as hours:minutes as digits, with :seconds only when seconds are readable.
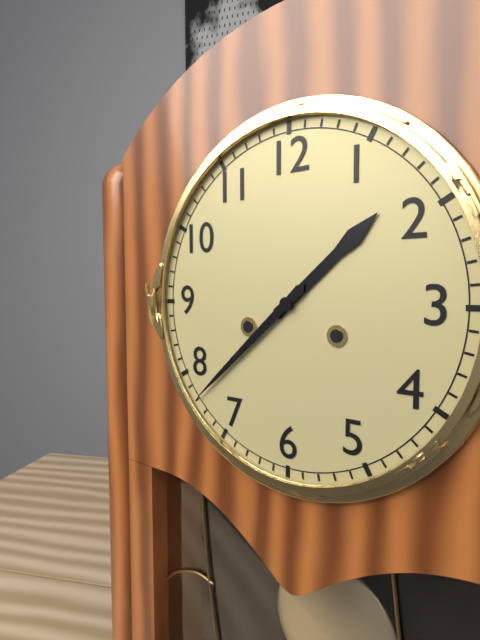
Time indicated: 1:38
